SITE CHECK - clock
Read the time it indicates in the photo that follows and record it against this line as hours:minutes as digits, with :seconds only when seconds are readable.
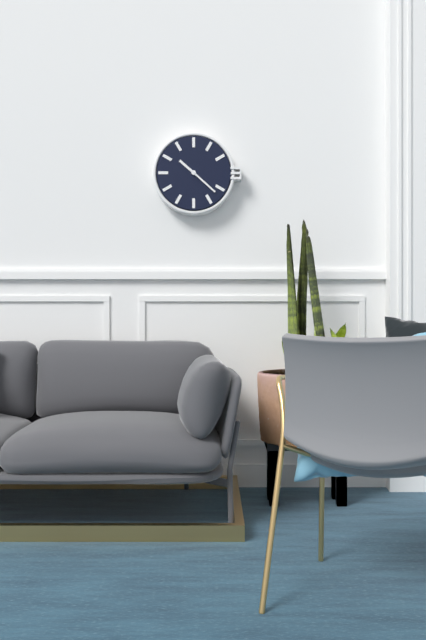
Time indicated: 10:22
